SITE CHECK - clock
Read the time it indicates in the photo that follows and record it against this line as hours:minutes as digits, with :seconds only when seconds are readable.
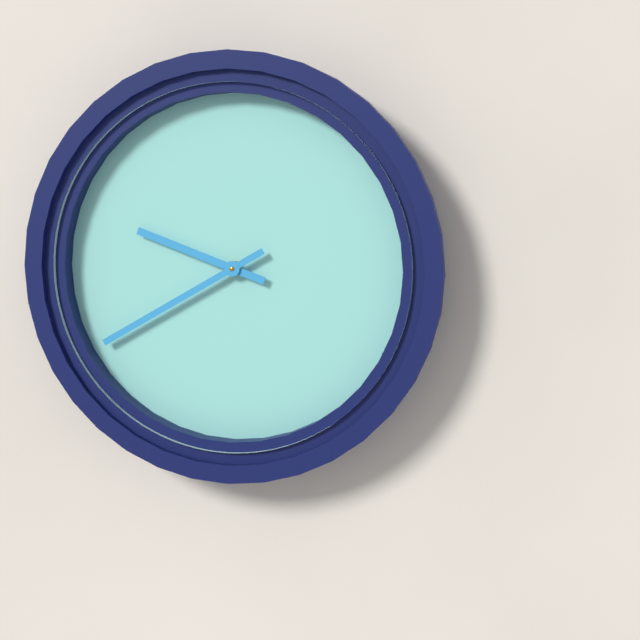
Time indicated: 9:40
